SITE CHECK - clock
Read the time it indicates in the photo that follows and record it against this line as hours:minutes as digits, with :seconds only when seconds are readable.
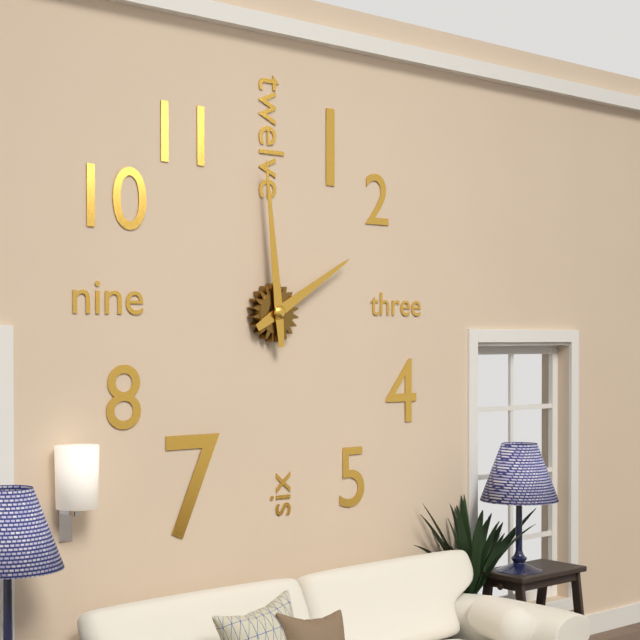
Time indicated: 1:59
